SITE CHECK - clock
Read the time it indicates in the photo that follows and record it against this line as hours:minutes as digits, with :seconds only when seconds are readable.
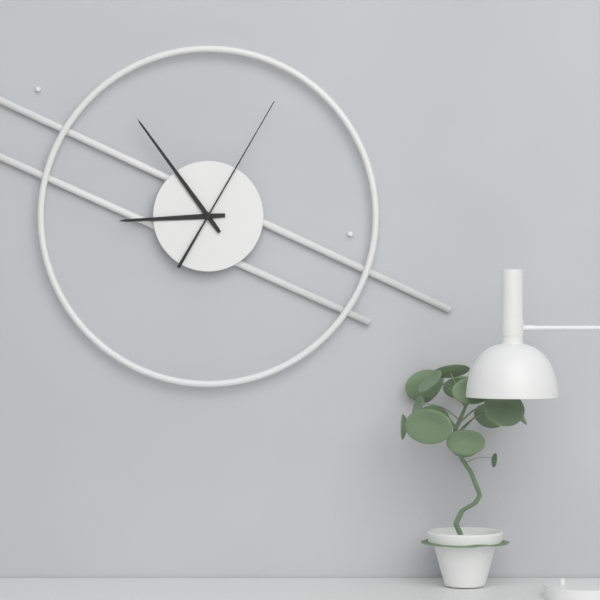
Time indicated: 8:54:05
